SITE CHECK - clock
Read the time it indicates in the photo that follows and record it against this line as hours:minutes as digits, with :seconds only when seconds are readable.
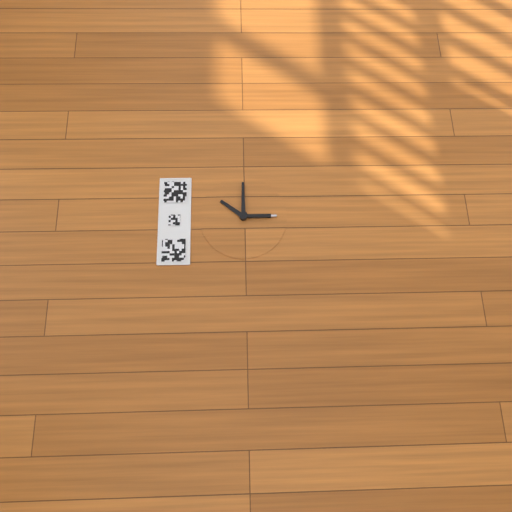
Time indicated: 1:15
